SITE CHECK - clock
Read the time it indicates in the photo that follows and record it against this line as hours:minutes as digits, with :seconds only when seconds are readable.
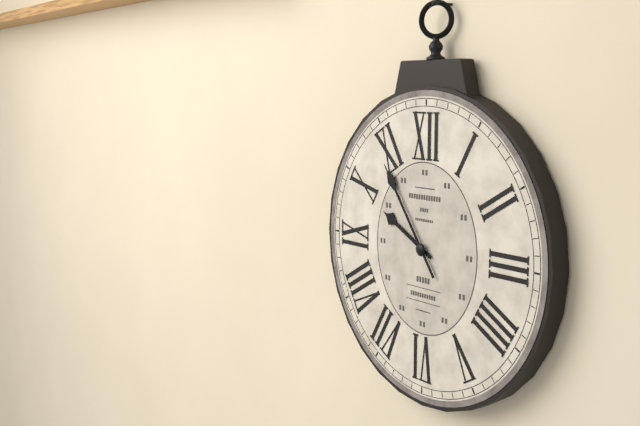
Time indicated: 9:54
